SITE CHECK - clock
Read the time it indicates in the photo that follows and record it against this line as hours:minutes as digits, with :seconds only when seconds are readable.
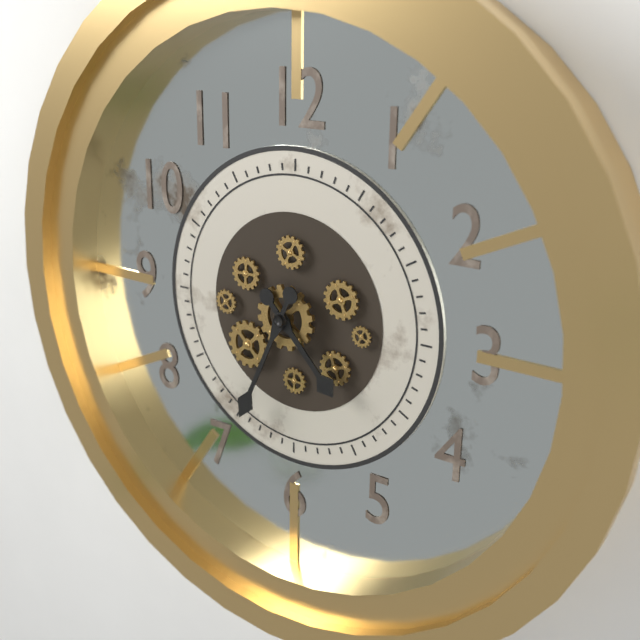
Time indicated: 4:34
